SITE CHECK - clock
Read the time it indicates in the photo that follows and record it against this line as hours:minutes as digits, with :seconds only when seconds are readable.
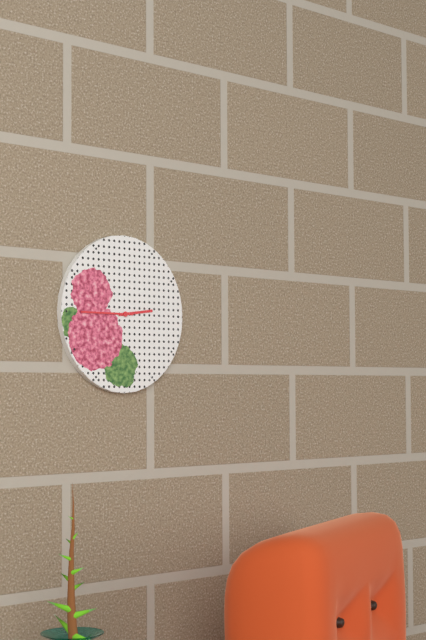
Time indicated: 2:45
